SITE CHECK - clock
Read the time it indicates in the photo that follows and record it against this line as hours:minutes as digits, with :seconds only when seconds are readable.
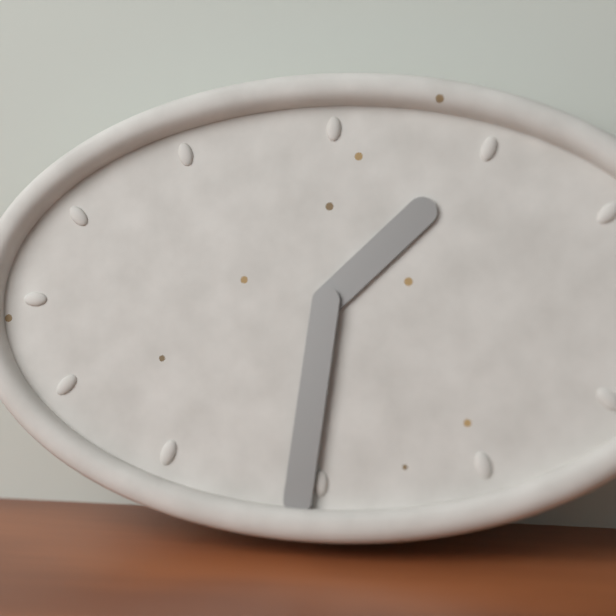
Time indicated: 1:31
